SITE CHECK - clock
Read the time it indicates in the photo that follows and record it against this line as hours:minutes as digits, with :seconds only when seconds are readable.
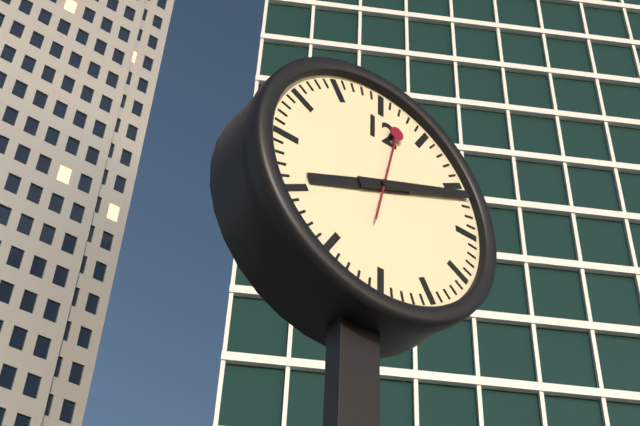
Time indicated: 8:11:02
